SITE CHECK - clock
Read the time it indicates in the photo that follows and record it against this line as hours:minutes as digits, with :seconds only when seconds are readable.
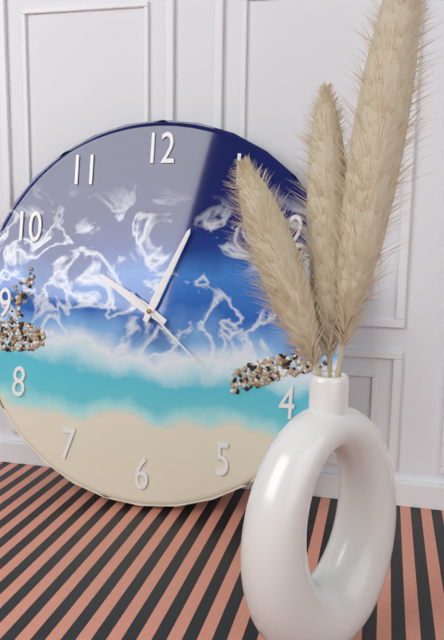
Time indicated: 10:04:22
